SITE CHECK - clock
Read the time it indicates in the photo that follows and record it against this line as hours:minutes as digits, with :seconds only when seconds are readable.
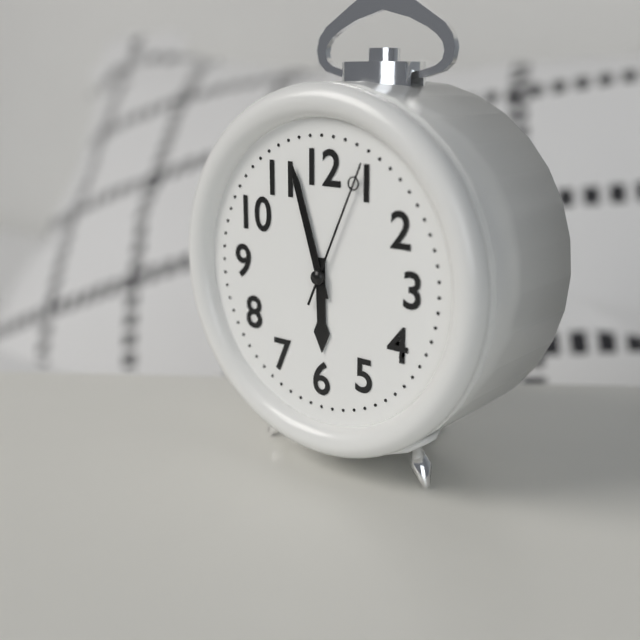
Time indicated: 5:57:04
